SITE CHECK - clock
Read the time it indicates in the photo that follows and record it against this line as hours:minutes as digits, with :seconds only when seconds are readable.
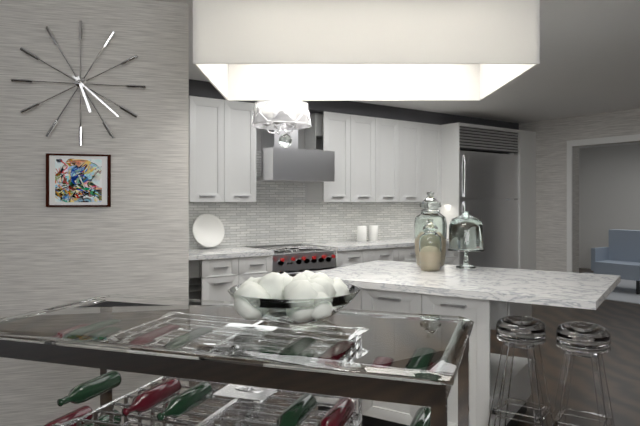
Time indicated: 5:22
